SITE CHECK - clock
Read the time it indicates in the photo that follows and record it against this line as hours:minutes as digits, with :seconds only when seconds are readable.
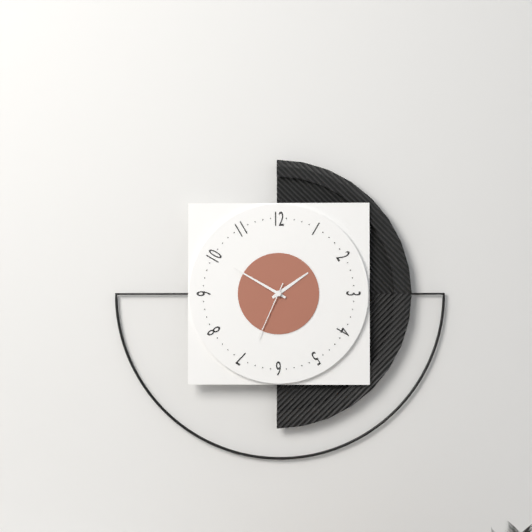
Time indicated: 1:50:34
